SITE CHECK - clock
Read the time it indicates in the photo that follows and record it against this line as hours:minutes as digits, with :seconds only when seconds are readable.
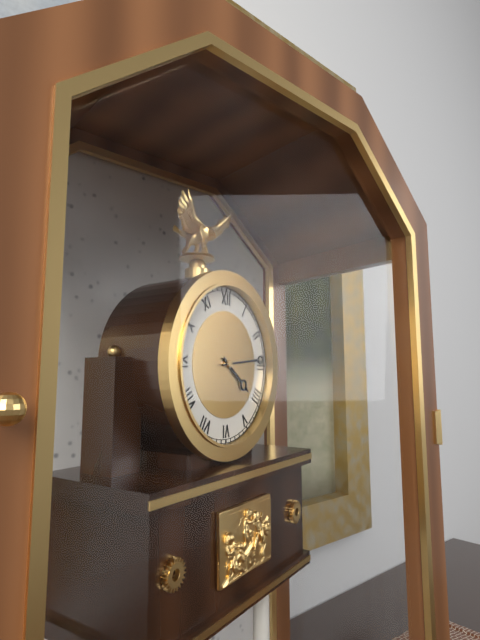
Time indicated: 4:14
